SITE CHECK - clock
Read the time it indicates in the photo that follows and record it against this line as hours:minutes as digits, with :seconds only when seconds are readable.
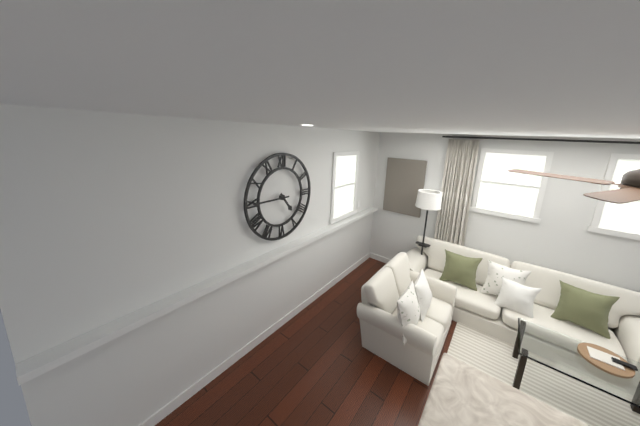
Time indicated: 4:45
